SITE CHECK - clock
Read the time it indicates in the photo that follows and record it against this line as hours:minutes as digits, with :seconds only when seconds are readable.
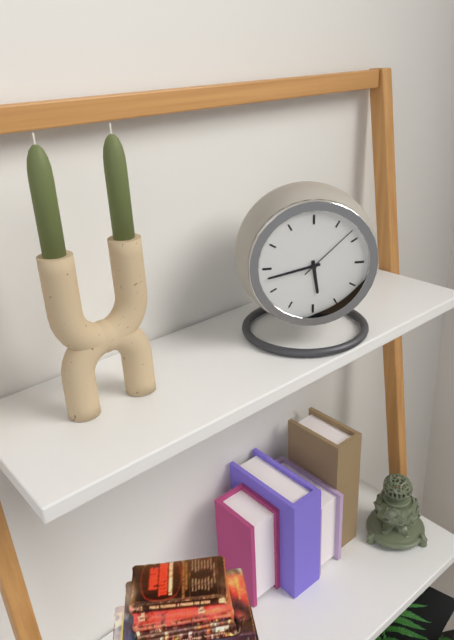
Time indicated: 5:43:08
